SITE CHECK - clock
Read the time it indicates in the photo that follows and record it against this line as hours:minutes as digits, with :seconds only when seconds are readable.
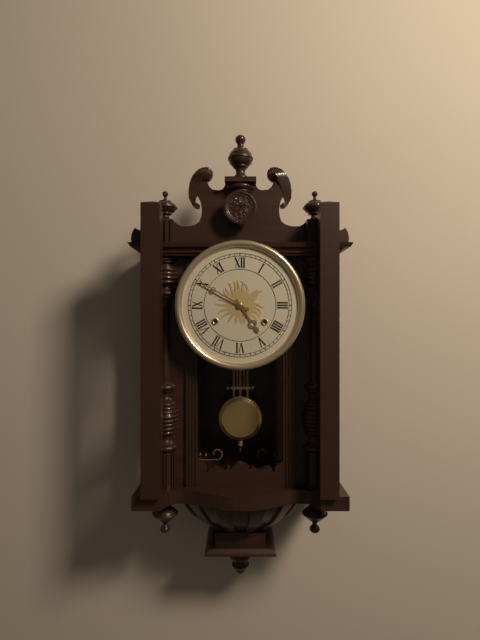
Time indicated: 4:50
